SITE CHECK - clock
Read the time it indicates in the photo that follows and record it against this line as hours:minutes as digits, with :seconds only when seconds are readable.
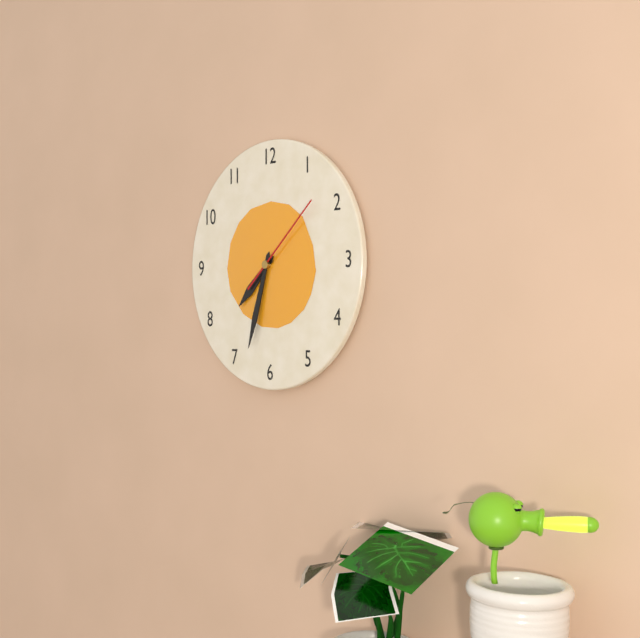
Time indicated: 7:33:08
